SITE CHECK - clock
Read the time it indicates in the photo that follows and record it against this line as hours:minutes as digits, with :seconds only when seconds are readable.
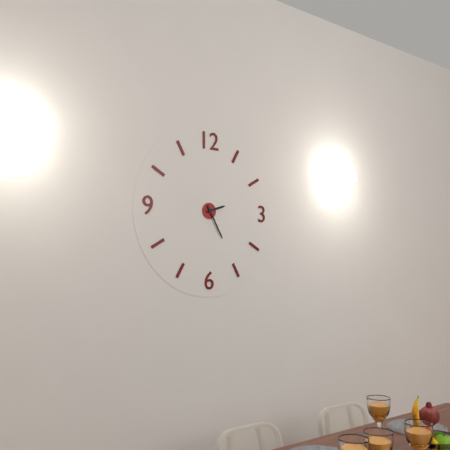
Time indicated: 2:25
